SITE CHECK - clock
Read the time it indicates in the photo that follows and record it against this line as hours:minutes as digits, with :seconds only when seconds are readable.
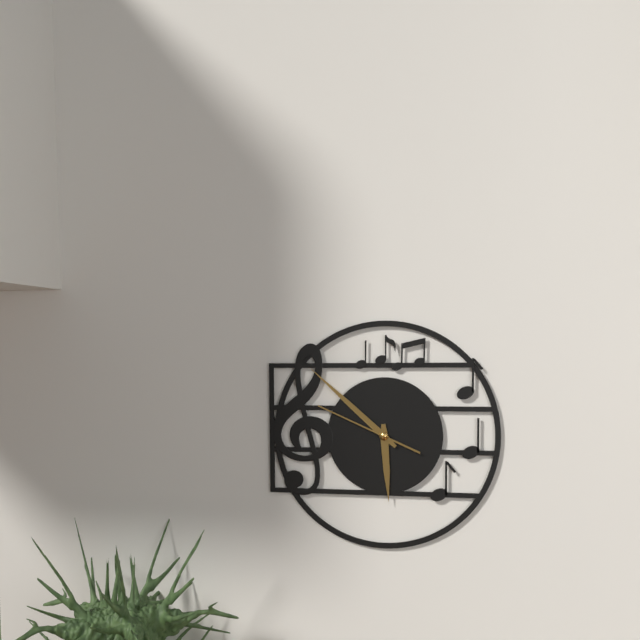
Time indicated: 5:52:49
